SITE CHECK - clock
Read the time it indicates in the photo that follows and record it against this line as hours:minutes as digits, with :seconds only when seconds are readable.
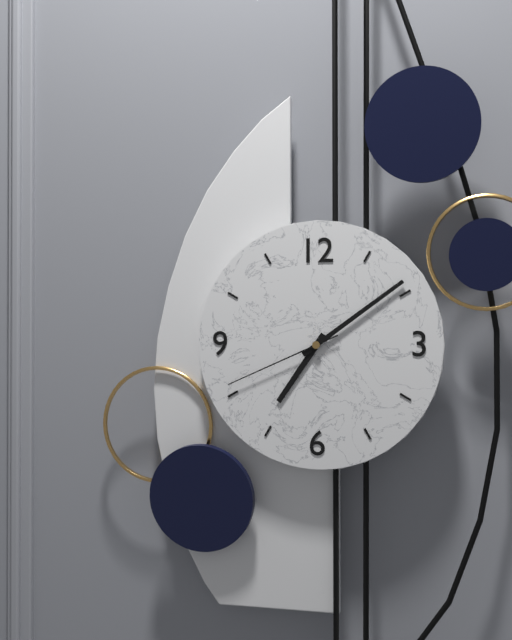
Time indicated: 7:09:41
